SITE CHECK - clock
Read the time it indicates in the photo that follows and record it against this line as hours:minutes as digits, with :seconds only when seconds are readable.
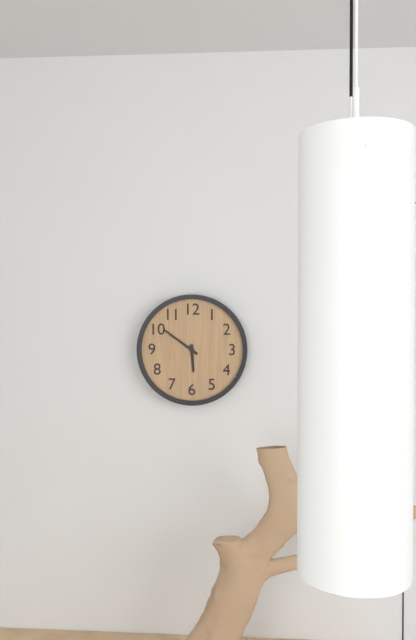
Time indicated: 5:51
